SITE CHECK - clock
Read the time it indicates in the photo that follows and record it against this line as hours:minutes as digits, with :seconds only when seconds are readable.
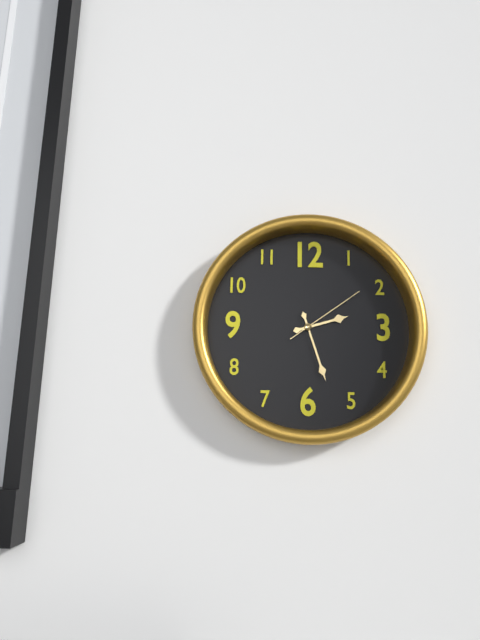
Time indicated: 2:27:09
